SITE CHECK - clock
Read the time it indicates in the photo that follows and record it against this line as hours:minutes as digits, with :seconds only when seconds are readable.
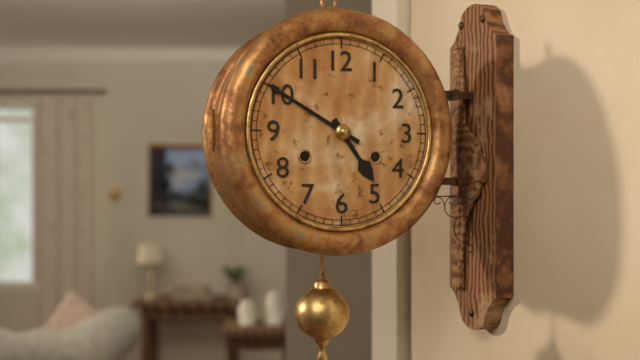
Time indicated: 4:50
